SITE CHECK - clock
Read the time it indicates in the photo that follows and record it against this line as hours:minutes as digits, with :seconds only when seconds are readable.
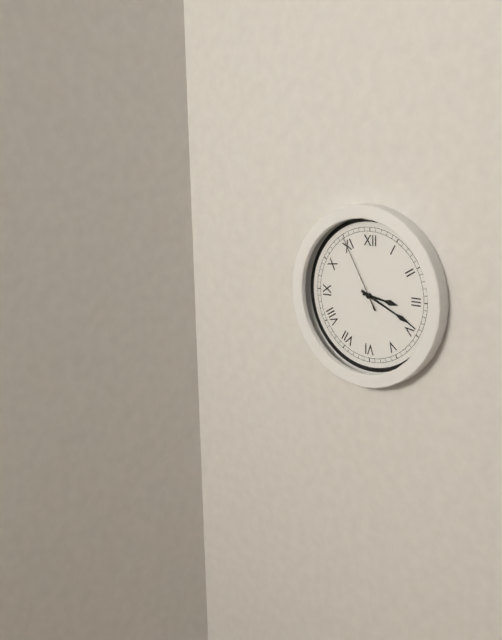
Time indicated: 3:19:55
